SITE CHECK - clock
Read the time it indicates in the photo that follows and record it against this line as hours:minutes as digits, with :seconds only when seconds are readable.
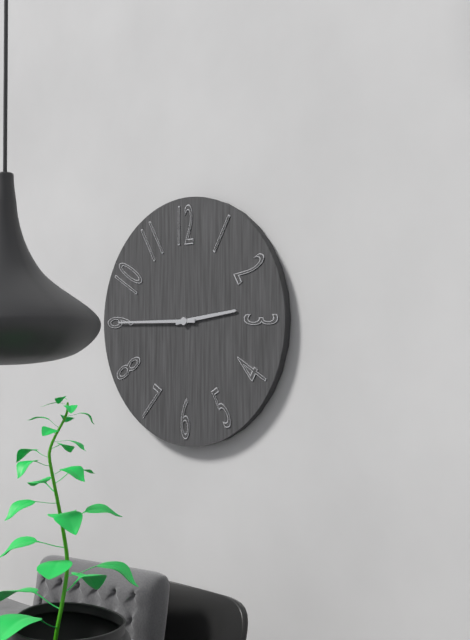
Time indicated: 2:45
